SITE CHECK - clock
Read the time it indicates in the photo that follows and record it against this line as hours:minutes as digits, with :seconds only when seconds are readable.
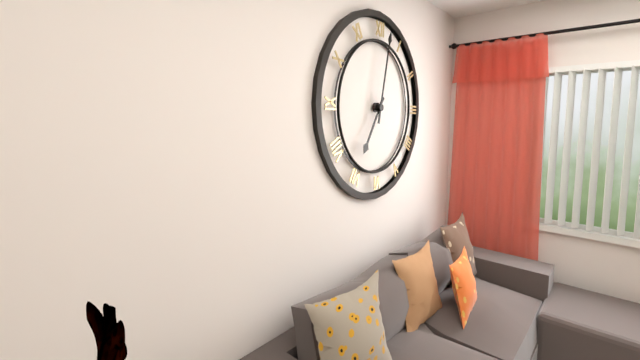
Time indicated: 7:02
